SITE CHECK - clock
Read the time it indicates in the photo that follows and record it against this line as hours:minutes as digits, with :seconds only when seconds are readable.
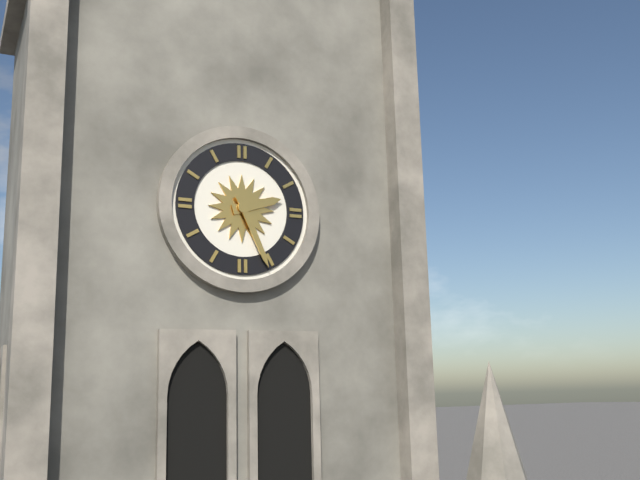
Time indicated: 2:26
